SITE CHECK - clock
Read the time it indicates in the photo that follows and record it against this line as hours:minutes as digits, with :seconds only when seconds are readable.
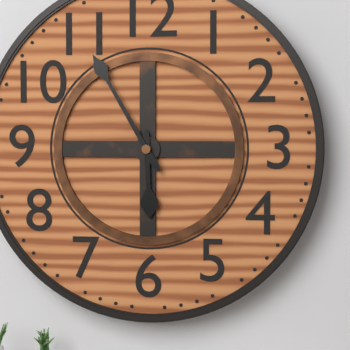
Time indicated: 5:55
